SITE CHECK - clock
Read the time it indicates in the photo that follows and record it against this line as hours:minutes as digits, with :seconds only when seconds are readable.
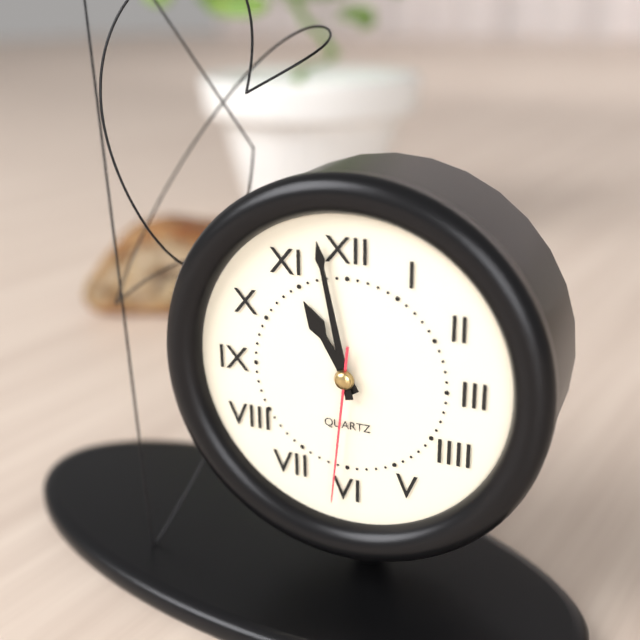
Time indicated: 10:58:31
